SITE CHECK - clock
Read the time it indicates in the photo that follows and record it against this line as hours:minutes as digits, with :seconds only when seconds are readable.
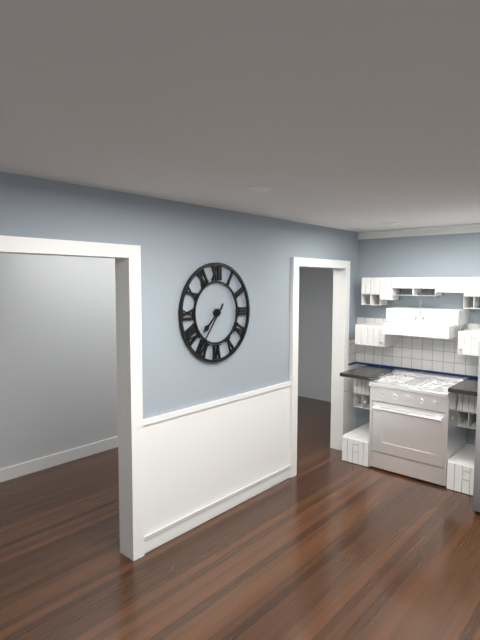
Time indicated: 7:36
